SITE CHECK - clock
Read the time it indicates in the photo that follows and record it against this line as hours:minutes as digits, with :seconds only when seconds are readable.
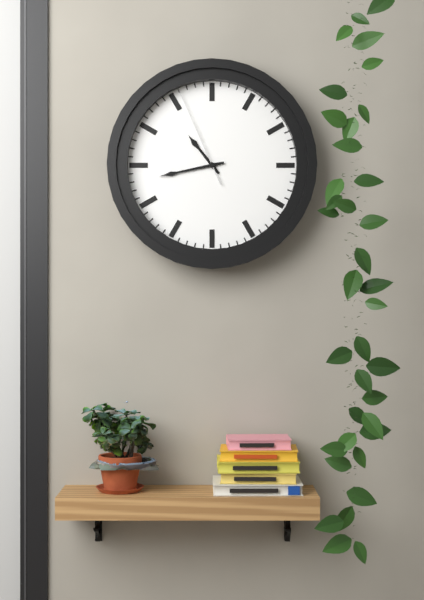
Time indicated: 10:43:56
